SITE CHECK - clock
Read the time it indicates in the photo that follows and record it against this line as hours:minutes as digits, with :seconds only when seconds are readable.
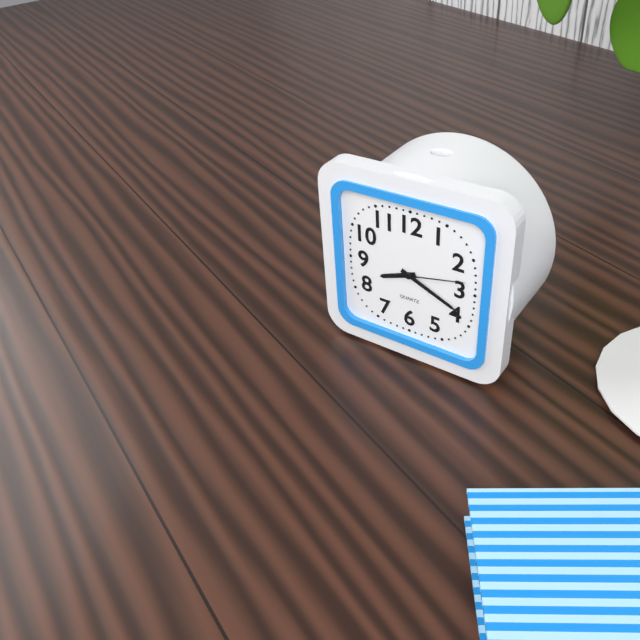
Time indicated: 8:19:13
